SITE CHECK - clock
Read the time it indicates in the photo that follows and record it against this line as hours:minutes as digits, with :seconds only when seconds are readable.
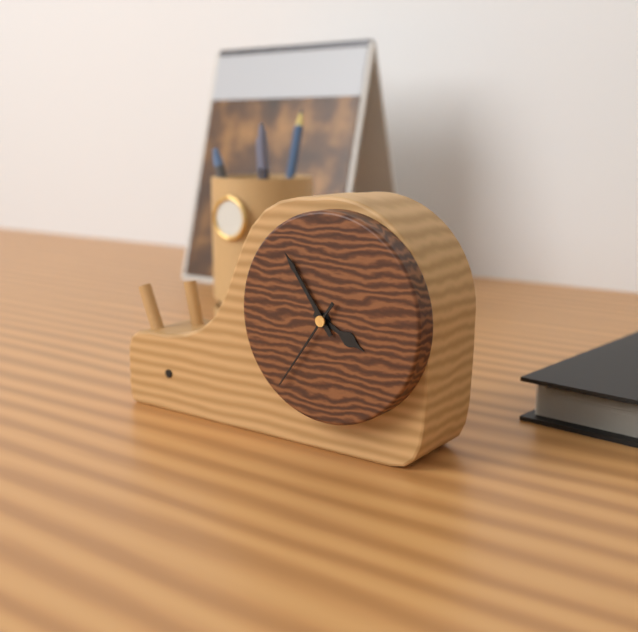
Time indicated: 3:54:36
